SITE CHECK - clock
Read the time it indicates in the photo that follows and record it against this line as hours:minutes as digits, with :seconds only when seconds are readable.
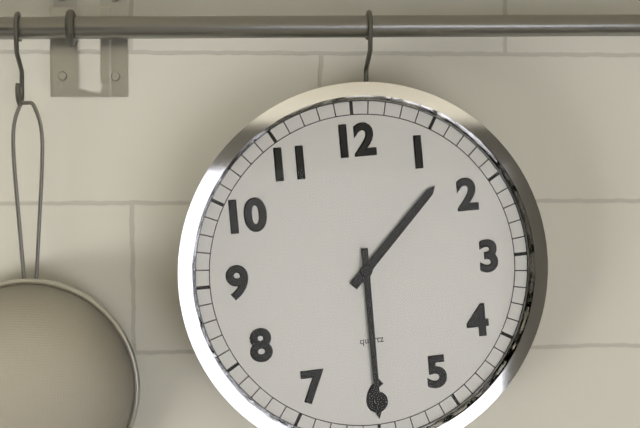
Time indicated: 1:30
